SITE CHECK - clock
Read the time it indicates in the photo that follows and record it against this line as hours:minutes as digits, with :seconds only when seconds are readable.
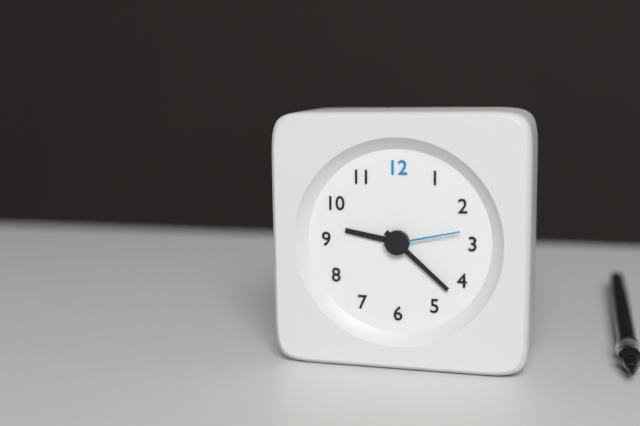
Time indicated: 9:22:13
